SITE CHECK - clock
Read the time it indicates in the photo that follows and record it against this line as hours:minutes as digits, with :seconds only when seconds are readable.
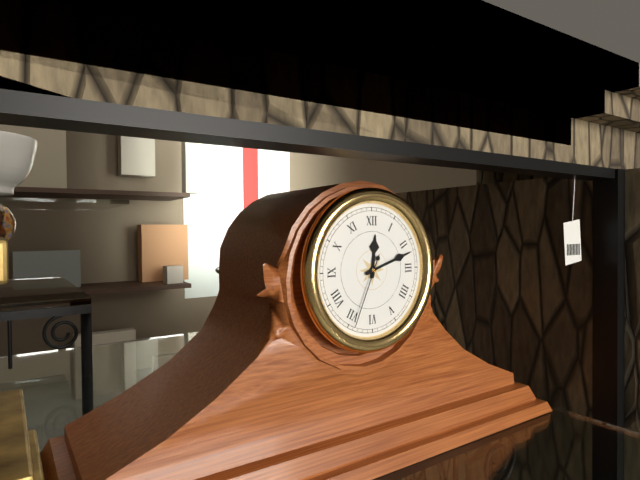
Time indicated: 12:12:34
